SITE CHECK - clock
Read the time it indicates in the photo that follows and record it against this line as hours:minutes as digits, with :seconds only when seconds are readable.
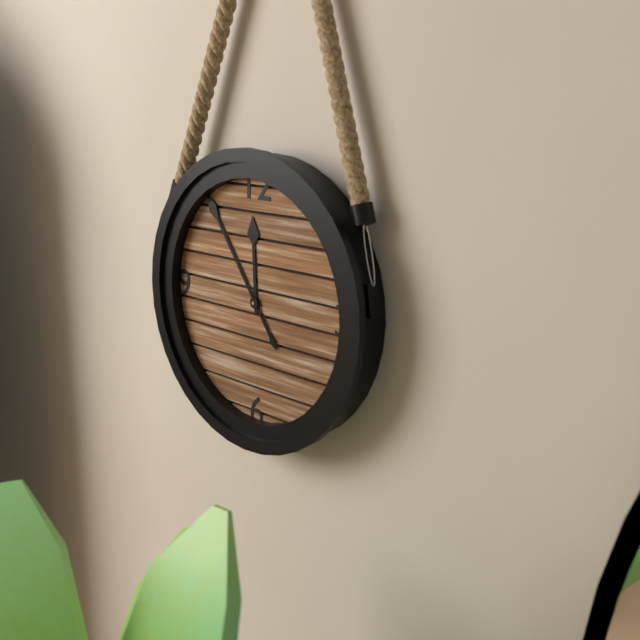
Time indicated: 11:54
